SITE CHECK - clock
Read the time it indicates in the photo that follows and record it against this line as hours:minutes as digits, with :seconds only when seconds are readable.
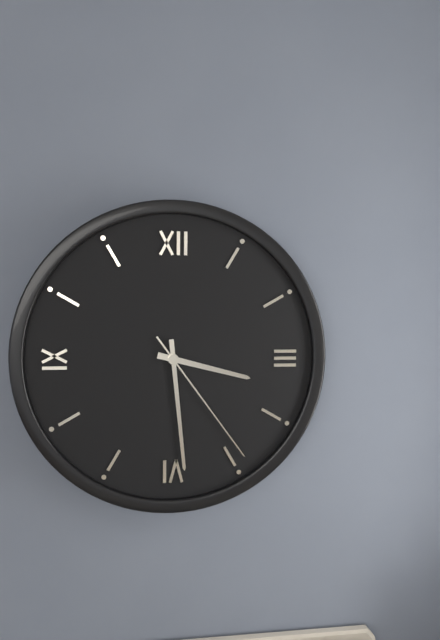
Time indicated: 3:29:24
